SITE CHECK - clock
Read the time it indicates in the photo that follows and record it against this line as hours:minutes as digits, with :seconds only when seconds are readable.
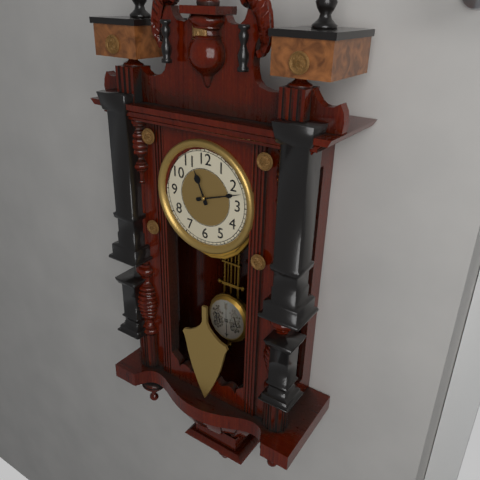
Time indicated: 11:12
